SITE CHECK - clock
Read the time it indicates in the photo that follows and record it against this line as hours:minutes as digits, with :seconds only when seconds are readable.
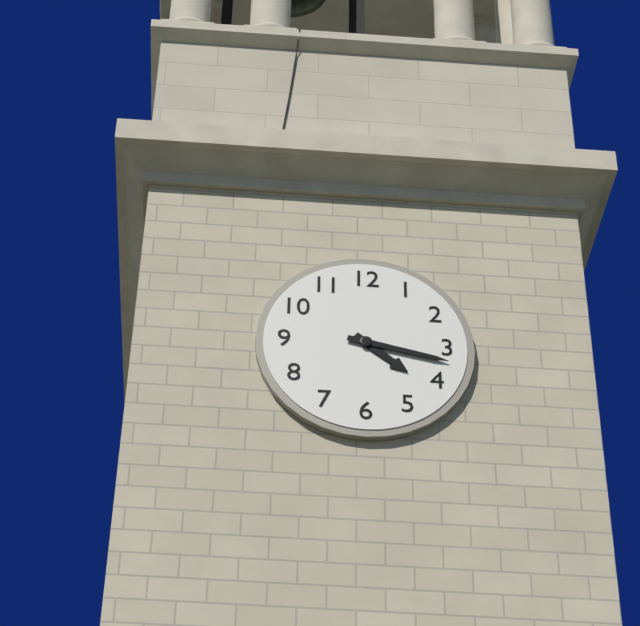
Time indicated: 4:17
